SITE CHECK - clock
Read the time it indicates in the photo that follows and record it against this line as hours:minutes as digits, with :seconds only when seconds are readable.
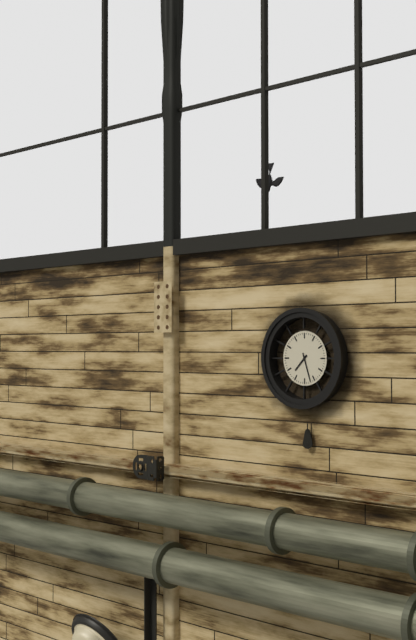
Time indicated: 7:27
